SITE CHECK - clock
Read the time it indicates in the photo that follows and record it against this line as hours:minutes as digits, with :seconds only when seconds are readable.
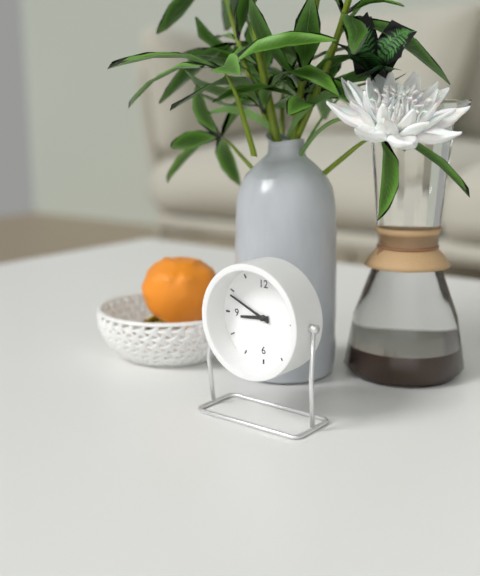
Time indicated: 8:49
